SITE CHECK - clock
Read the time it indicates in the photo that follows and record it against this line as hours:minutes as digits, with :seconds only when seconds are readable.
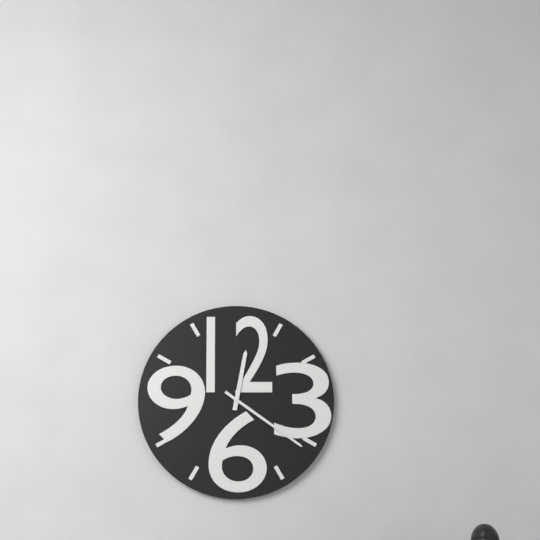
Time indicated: 12:21
